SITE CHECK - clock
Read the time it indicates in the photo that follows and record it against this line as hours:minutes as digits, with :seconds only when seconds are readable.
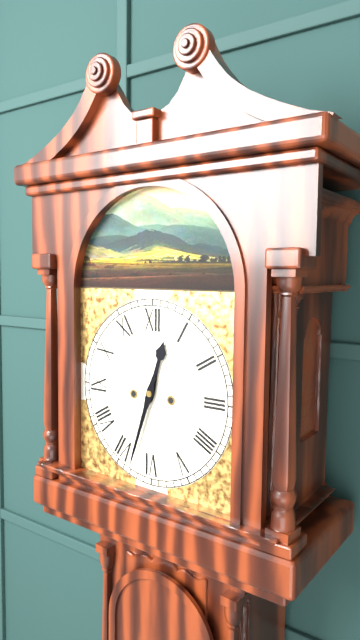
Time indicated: 12:33
